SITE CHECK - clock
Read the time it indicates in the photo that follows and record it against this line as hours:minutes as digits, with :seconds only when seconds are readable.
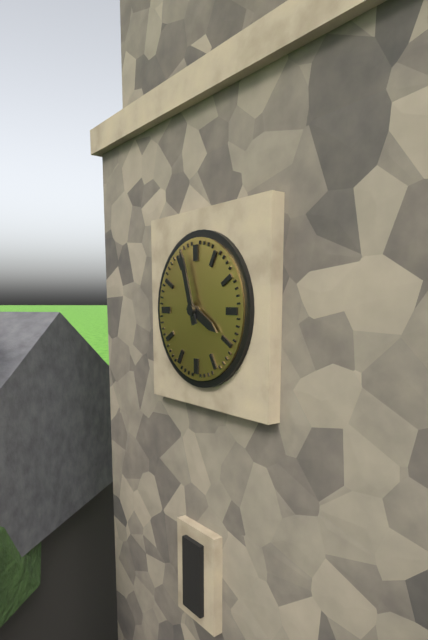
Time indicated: 3:57
